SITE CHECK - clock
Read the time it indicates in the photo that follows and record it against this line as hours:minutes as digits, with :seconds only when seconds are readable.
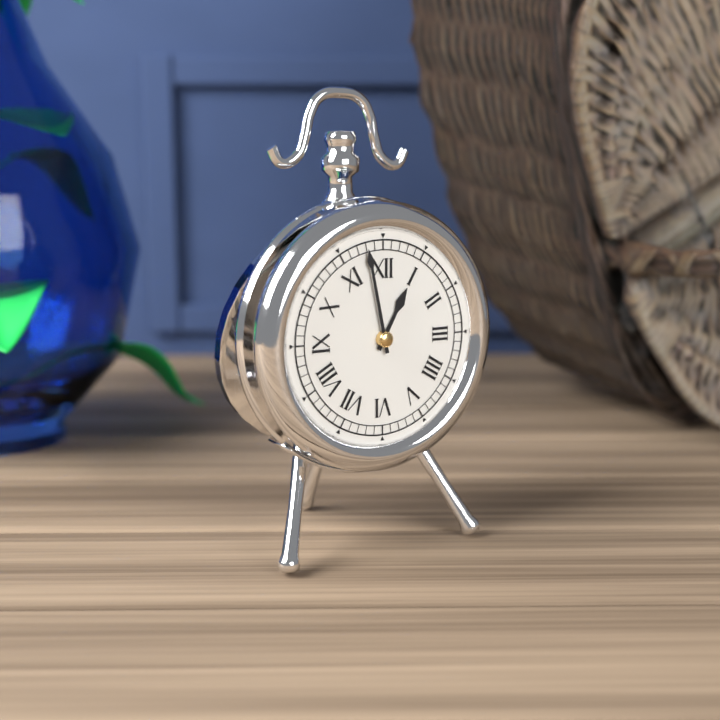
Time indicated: 12:58
